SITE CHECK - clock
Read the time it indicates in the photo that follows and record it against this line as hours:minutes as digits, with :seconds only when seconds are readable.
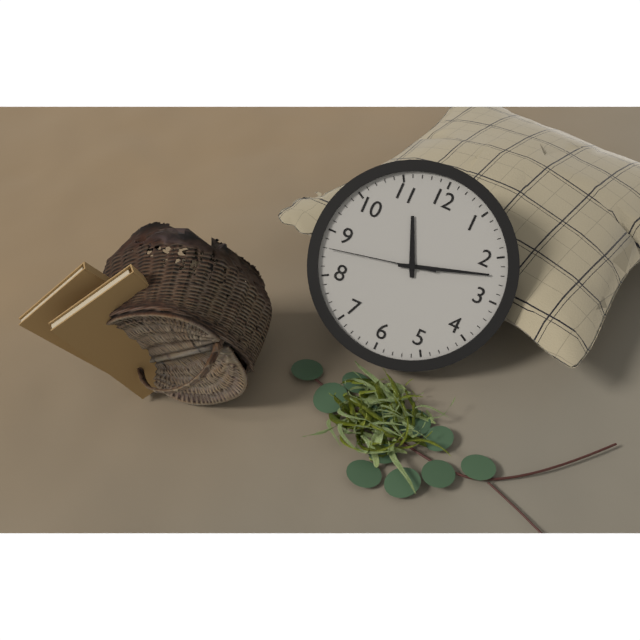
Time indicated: 11:12:43
